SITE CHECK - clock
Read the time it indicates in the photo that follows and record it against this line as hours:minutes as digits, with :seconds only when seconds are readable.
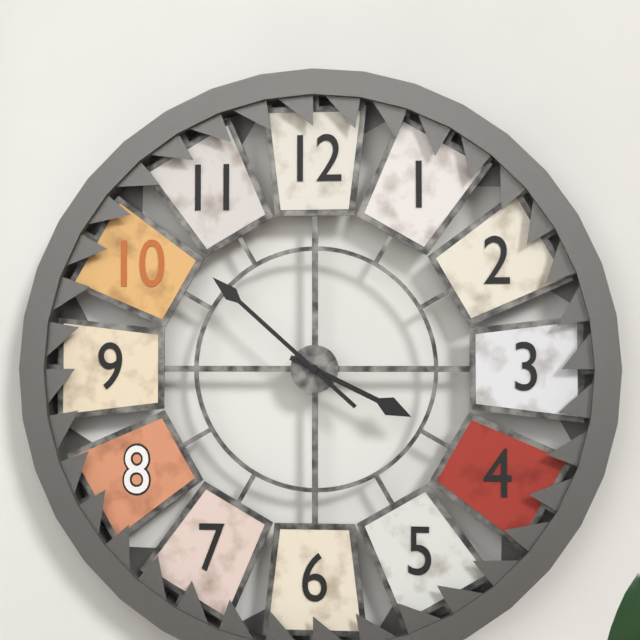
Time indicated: 3:52
